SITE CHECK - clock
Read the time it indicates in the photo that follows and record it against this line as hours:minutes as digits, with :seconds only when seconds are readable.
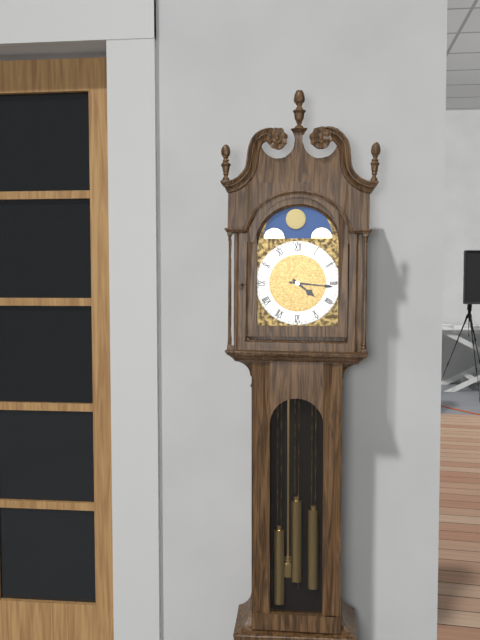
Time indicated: 4:16
